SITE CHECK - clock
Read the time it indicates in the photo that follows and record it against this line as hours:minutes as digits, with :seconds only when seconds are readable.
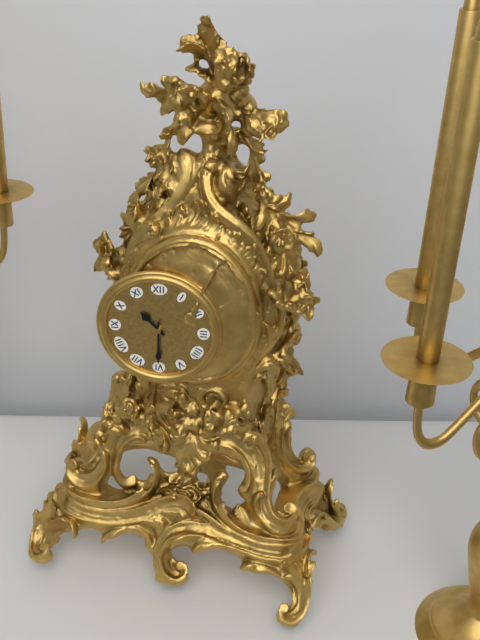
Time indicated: 10:30
